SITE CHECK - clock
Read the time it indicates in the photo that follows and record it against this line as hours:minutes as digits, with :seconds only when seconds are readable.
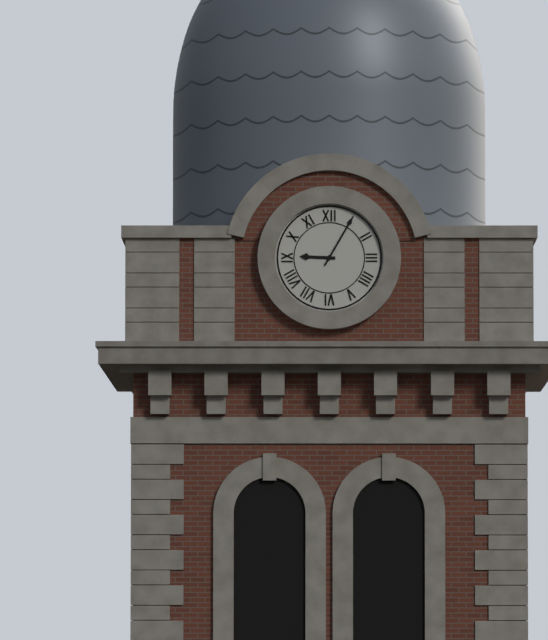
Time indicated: 9:05
